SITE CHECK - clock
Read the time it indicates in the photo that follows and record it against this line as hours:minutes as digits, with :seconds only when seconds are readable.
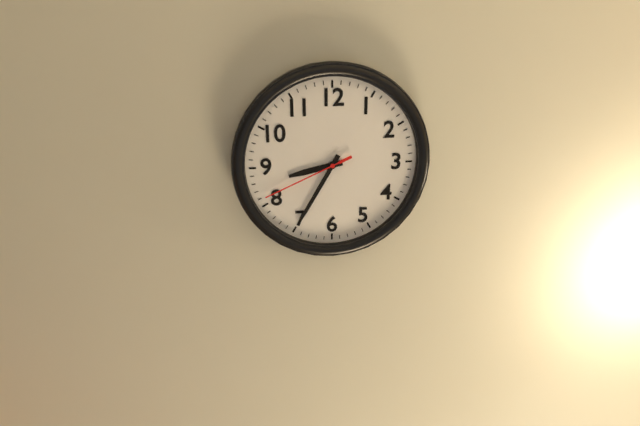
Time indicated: 8:35:41
